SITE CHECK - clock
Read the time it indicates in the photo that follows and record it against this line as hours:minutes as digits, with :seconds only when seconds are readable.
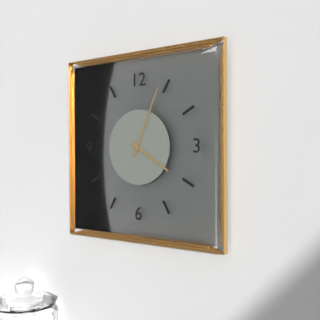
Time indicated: 4:04
